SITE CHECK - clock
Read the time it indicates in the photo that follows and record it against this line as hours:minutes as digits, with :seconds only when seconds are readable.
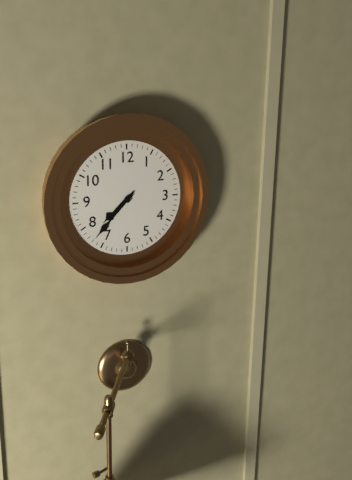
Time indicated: 7:37
